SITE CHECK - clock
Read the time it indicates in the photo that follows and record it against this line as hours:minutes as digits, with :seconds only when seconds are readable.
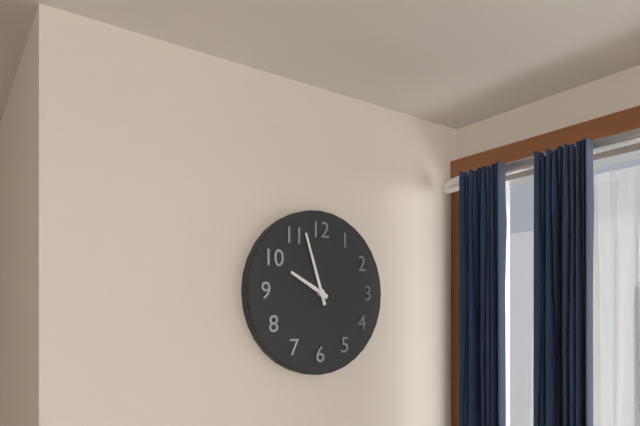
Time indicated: 9:57
